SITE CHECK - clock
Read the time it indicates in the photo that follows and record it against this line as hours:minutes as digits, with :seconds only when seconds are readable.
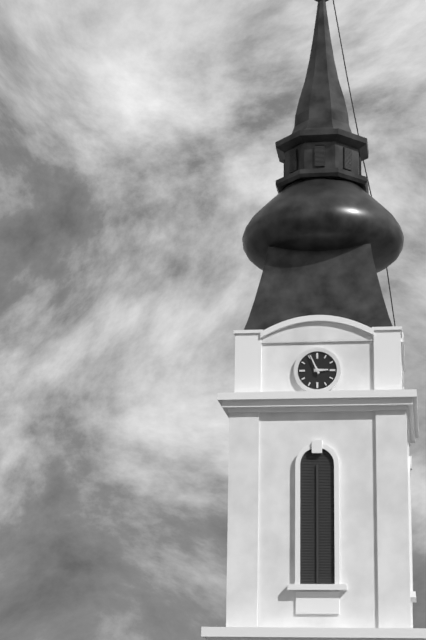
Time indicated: 2:56
